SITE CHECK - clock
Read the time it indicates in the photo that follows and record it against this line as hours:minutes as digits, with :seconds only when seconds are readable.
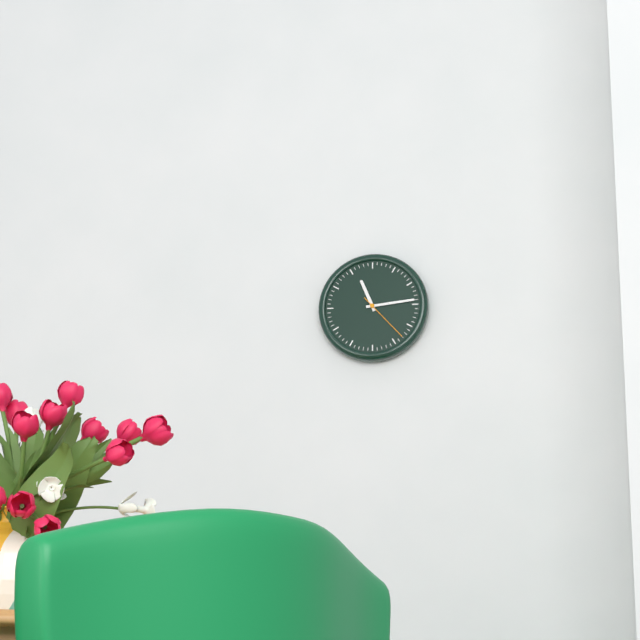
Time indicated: 11:14:23
